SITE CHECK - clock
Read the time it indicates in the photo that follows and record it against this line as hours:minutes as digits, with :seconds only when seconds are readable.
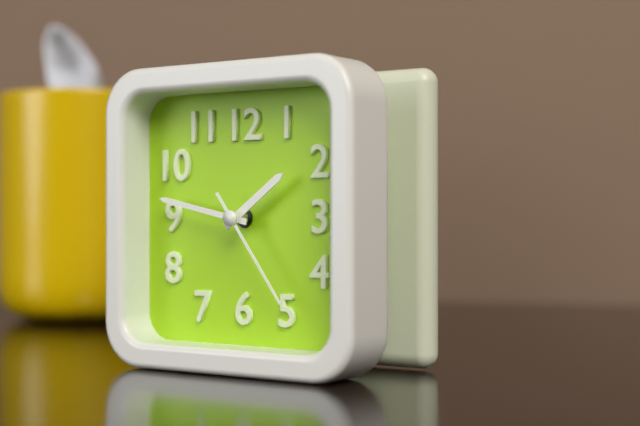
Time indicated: 1:47:24
